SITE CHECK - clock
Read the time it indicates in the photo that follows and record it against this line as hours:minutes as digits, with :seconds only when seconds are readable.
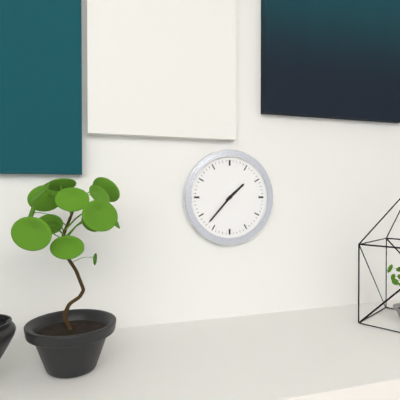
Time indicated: 1:37
